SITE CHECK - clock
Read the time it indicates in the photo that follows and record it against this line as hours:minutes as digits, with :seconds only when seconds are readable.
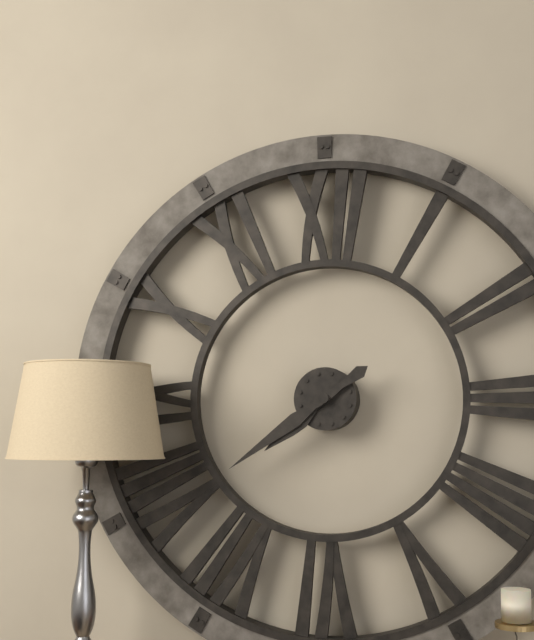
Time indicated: 7:39
